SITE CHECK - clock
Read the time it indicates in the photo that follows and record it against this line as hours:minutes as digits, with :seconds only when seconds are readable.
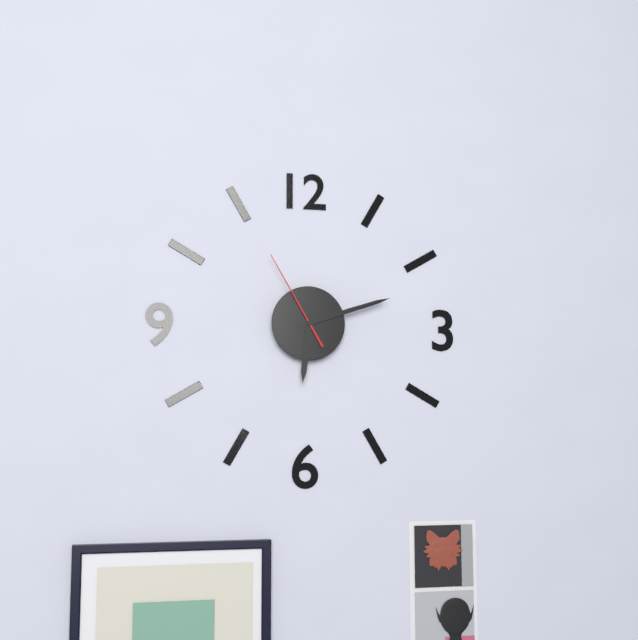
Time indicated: 6:12:55
